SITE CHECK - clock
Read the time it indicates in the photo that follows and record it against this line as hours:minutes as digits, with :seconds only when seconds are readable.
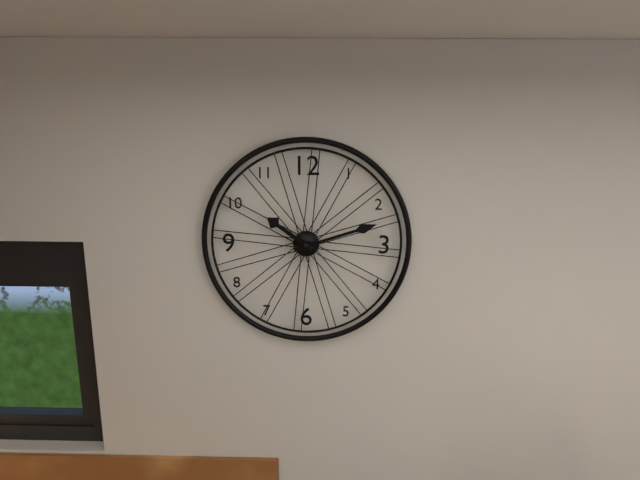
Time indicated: 10:12
